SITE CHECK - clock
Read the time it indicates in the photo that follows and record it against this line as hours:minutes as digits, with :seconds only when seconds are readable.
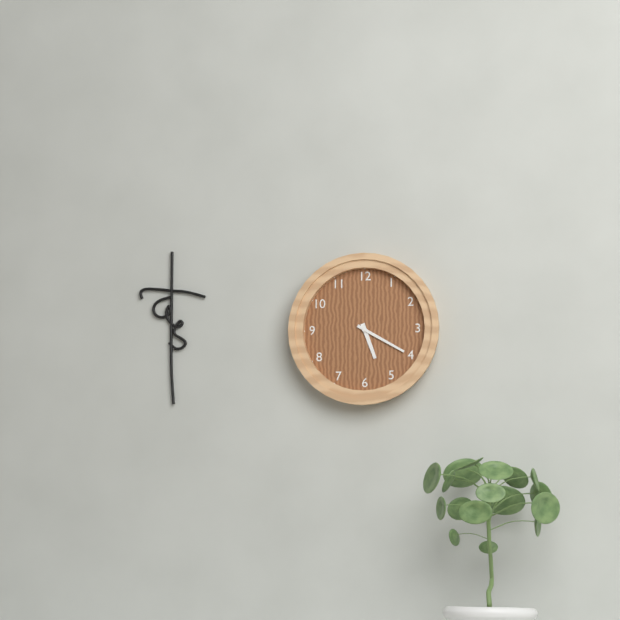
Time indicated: 5:20
